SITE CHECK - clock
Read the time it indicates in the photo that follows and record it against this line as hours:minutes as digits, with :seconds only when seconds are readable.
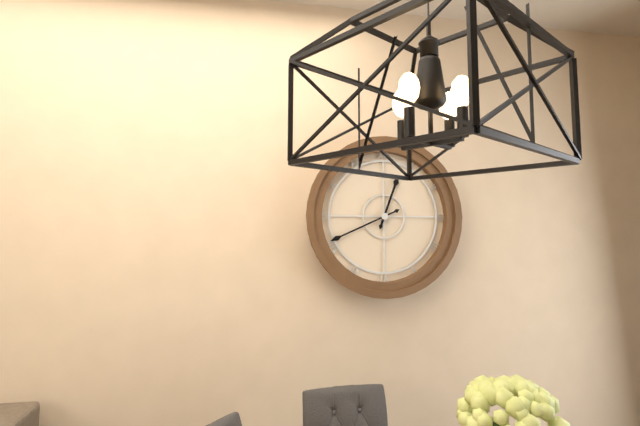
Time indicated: 12:41
